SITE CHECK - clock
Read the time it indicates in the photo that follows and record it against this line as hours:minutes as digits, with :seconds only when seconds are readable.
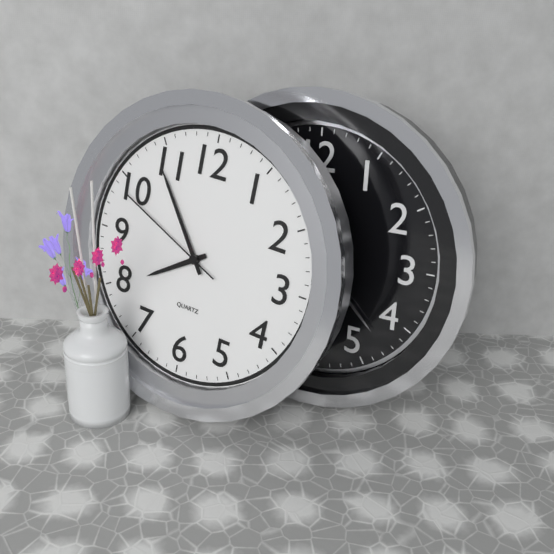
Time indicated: 7:54:49
